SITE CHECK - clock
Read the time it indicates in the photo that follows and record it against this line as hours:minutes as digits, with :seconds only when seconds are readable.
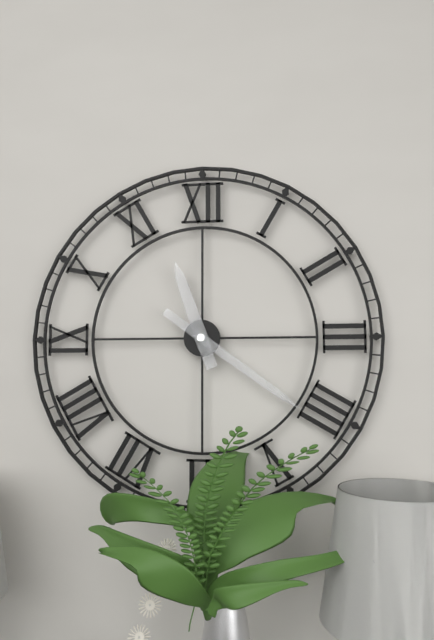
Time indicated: 11:21
